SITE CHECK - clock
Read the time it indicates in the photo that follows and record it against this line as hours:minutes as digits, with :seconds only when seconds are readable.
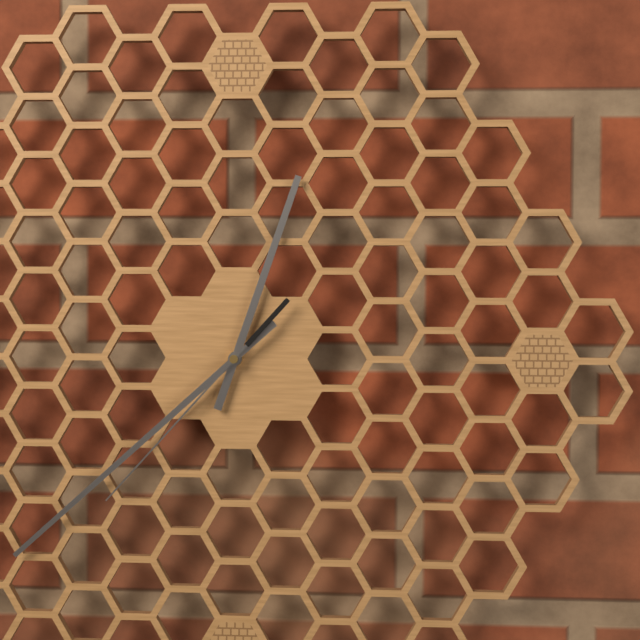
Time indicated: 12:38:37
